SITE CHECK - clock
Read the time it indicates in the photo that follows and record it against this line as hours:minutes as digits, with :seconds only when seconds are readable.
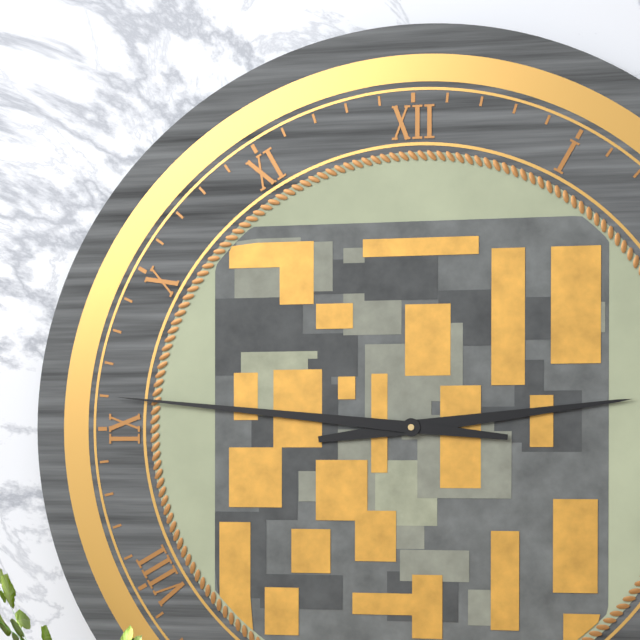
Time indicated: 2:46
